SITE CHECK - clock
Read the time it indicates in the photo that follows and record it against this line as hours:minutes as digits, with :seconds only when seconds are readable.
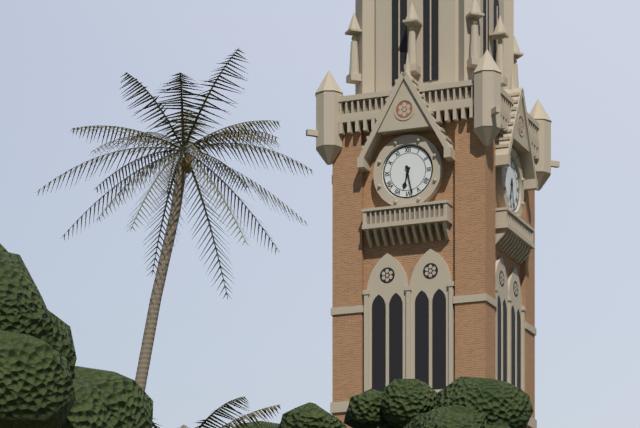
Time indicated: 6:28
